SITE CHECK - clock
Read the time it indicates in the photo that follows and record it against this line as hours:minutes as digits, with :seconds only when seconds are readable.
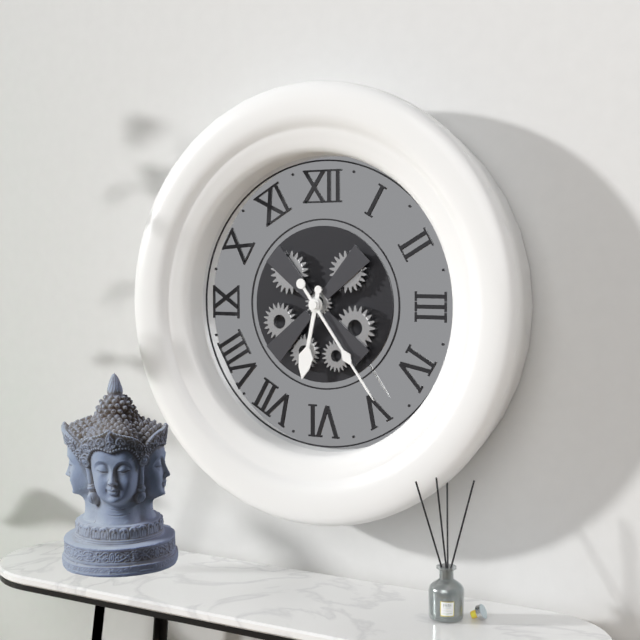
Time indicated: 6:24
